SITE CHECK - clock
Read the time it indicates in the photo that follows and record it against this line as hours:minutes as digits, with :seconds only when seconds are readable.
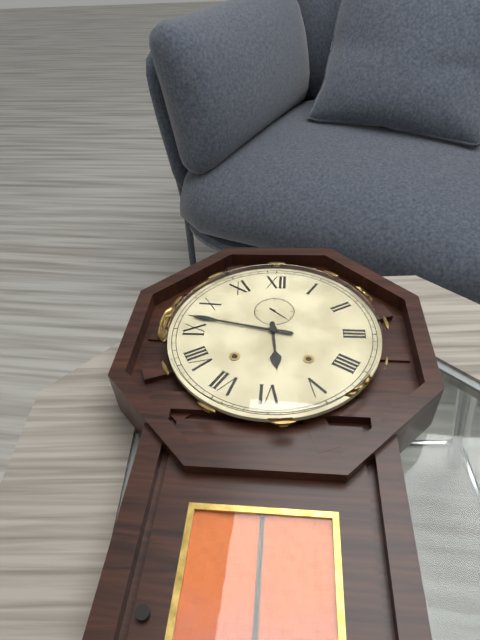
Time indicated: 5:47
